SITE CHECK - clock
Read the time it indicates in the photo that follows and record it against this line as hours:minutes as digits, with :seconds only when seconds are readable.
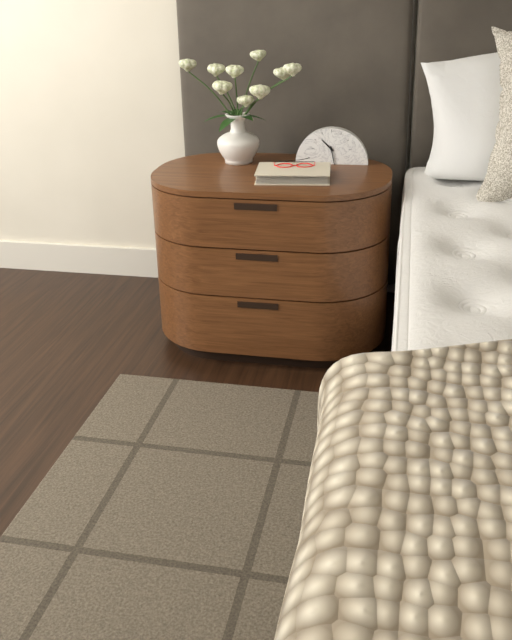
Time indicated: 10:28
